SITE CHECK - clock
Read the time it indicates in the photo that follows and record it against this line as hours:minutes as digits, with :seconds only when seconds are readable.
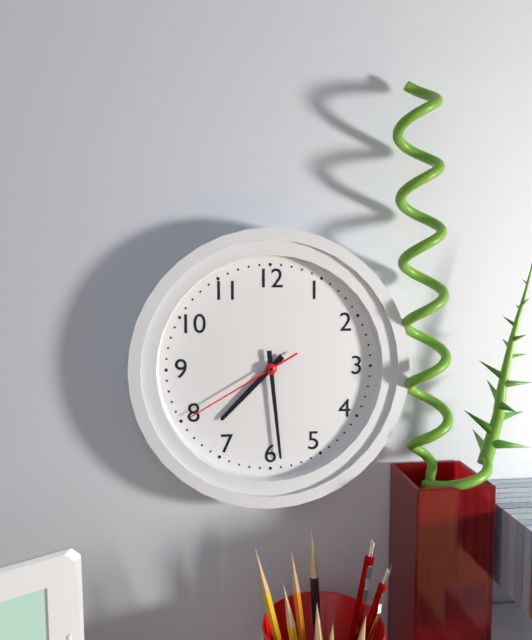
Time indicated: 7:29:40
